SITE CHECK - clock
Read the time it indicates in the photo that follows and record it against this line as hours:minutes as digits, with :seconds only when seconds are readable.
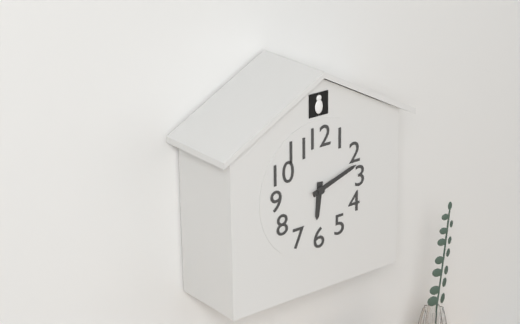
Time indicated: 6:12
